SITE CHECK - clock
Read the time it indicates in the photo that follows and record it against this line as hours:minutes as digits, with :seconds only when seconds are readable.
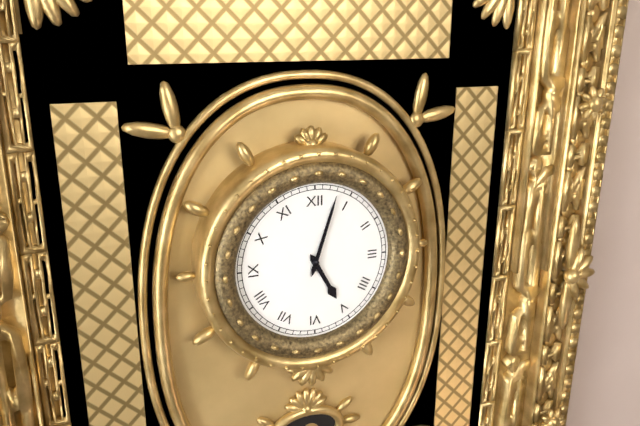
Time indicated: 5:03
